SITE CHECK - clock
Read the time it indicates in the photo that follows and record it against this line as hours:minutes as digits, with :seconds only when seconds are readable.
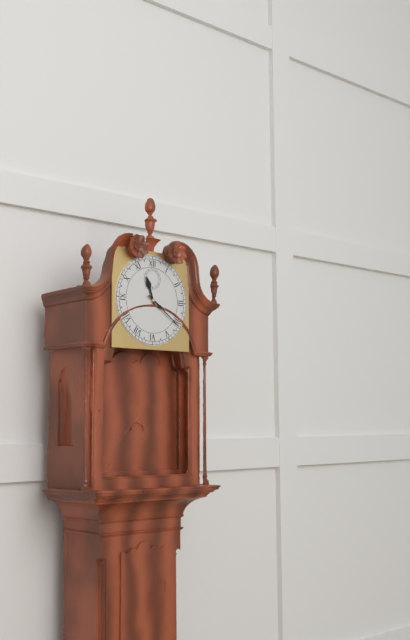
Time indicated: 11:21
